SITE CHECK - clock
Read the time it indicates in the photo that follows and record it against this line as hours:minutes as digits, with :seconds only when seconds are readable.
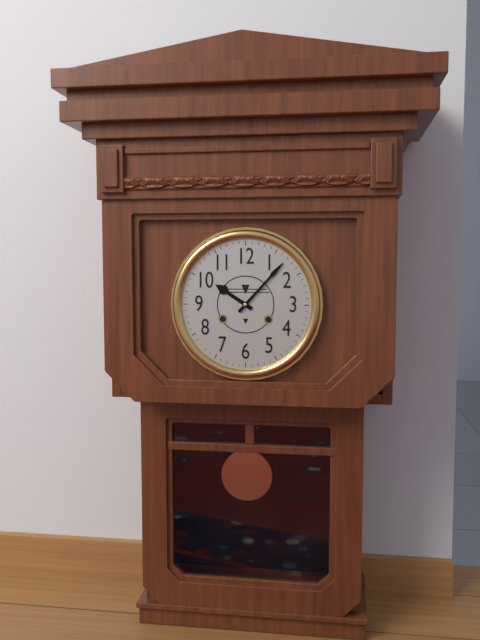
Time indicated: 10:07
